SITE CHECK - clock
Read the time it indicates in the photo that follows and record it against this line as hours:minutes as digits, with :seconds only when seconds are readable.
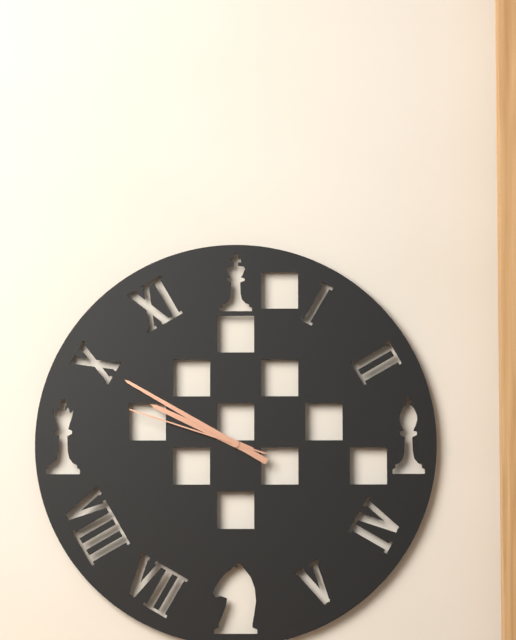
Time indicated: 9:50:48
